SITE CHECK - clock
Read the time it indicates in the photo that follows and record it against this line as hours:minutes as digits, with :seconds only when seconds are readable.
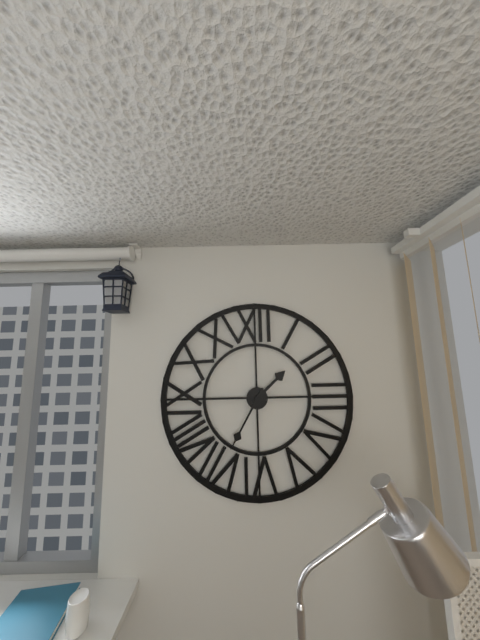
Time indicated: 1:35
